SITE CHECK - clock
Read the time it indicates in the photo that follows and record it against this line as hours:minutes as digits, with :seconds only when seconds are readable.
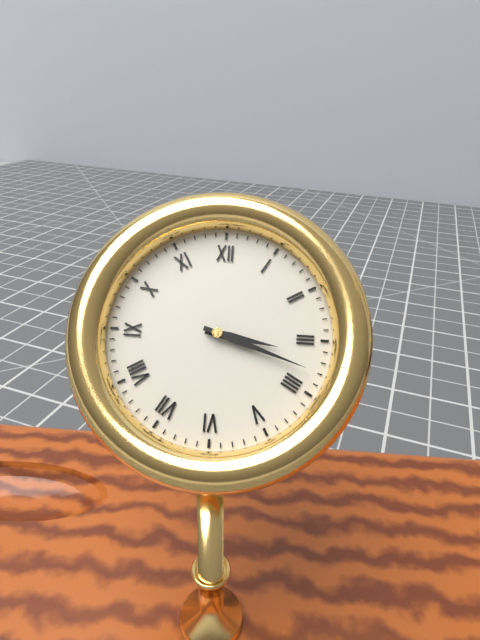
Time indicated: 3:18
